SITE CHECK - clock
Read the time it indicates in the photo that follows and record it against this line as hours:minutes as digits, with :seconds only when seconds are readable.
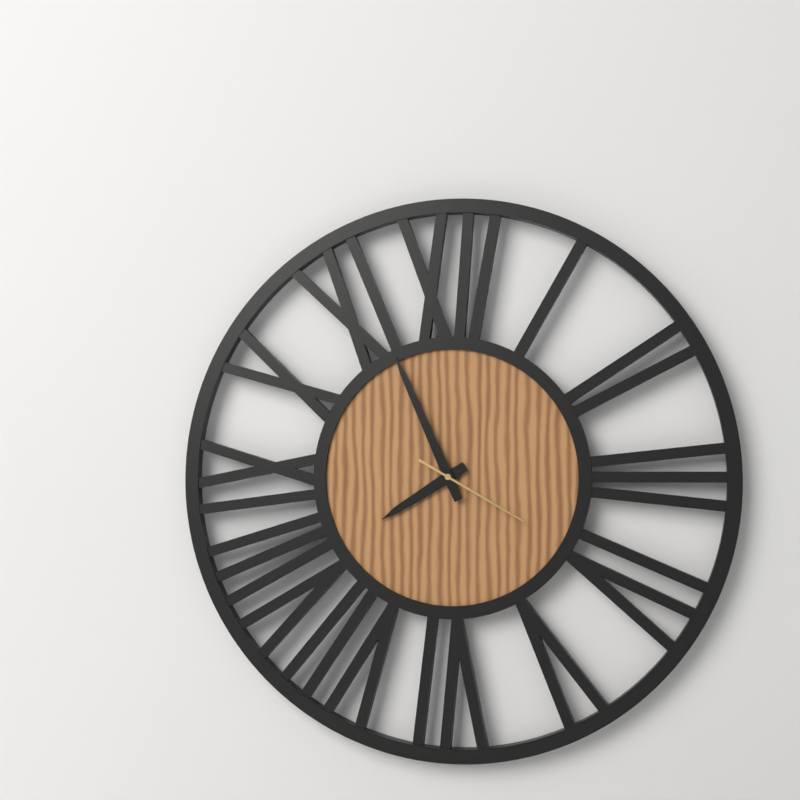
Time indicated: 7:56:20
